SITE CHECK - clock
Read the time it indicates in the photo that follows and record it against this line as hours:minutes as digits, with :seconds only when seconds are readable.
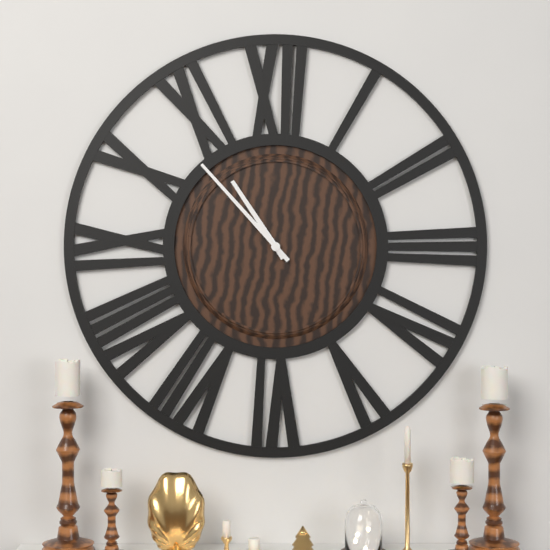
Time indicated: 10:53
